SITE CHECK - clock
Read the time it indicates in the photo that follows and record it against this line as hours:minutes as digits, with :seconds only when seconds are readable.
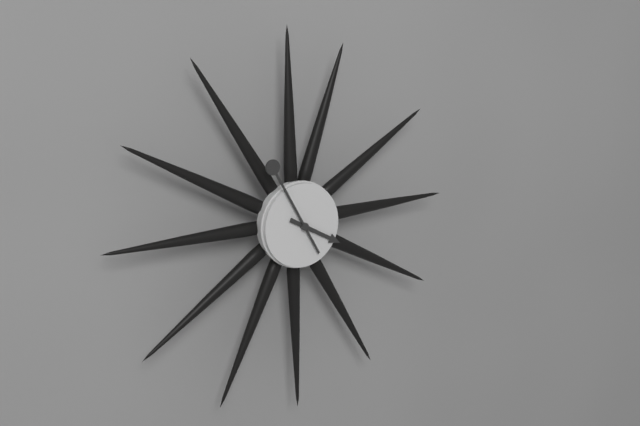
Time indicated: 3:55
